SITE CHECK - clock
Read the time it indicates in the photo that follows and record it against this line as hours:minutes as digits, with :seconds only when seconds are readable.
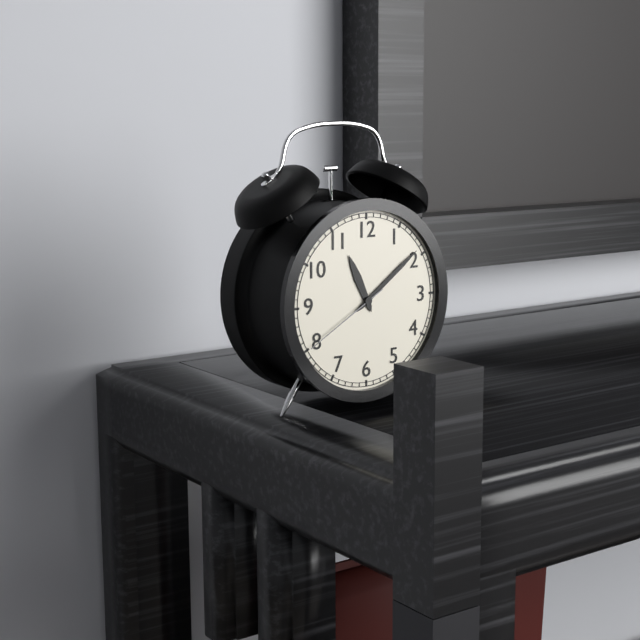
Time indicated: 11:09:40
